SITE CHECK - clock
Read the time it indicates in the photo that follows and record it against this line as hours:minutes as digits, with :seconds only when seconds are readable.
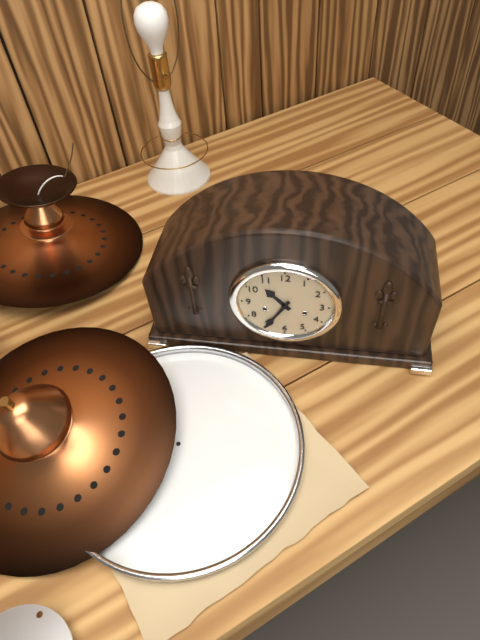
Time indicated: 10:35
